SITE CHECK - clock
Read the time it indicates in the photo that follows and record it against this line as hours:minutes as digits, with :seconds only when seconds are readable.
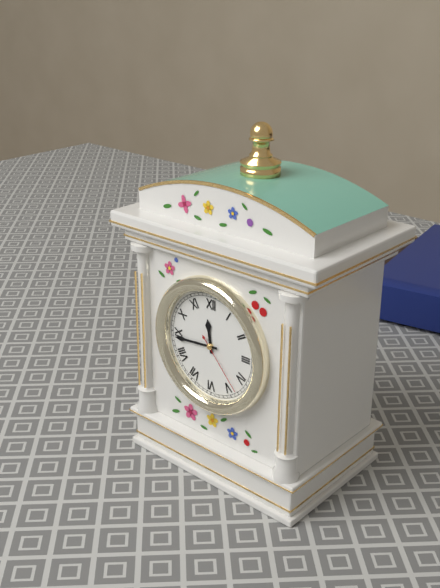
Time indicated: 11:44:23
